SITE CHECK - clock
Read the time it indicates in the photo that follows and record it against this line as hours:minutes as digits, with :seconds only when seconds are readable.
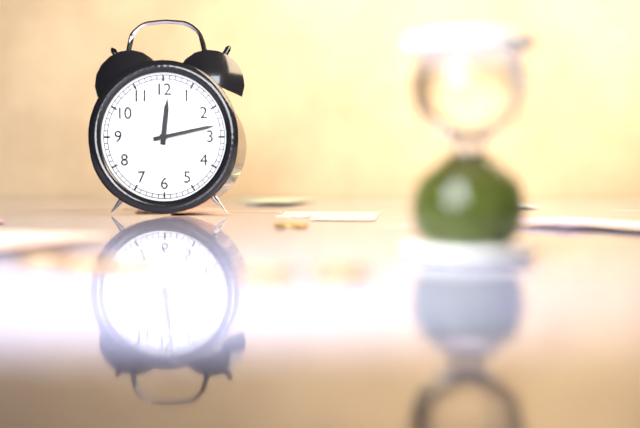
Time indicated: 12:13
